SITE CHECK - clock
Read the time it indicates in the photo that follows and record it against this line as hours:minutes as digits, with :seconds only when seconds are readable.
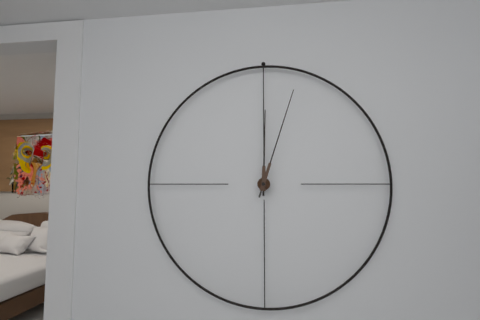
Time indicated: 12:03
